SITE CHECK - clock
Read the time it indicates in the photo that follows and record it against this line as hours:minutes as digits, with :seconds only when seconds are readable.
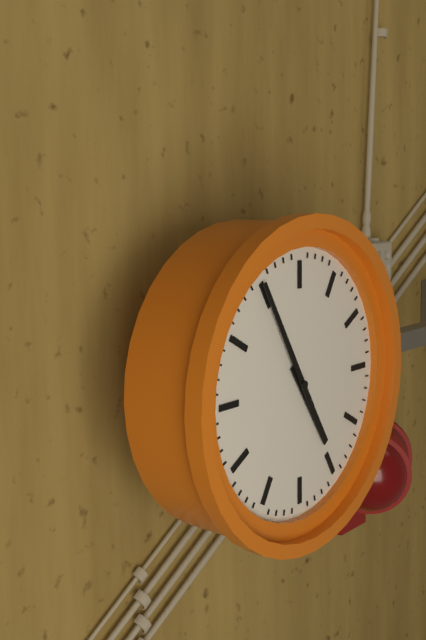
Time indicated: 4:55
